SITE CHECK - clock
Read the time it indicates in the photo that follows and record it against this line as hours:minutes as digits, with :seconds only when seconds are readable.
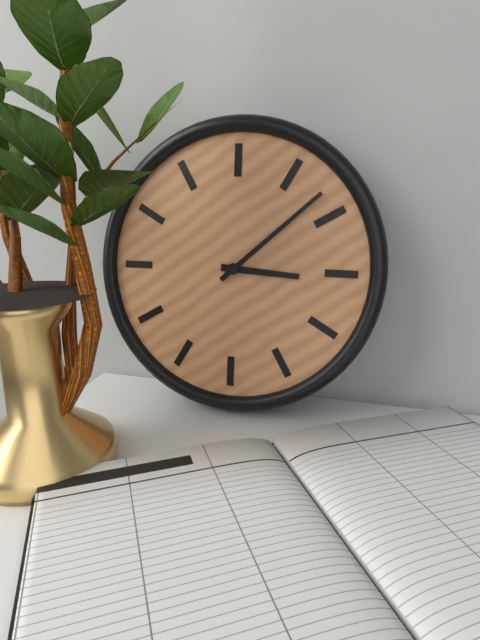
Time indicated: 3:08
